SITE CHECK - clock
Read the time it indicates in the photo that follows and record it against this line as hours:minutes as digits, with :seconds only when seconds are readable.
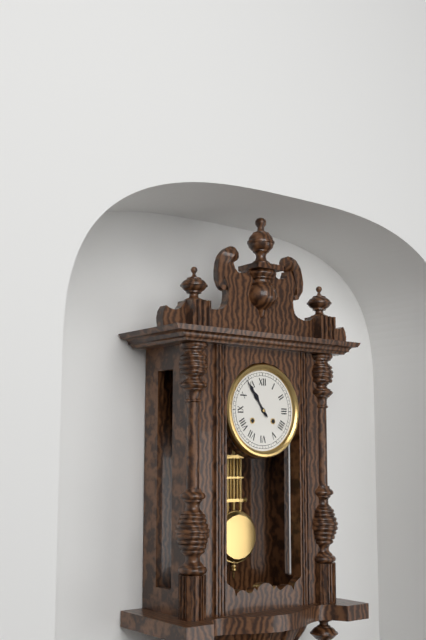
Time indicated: 10:54
